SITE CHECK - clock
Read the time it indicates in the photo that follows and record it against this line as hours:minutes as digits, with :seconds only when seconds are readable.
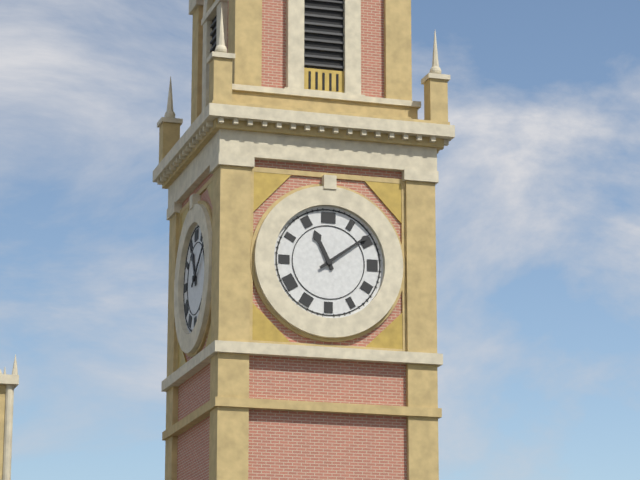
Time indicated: 11:09
